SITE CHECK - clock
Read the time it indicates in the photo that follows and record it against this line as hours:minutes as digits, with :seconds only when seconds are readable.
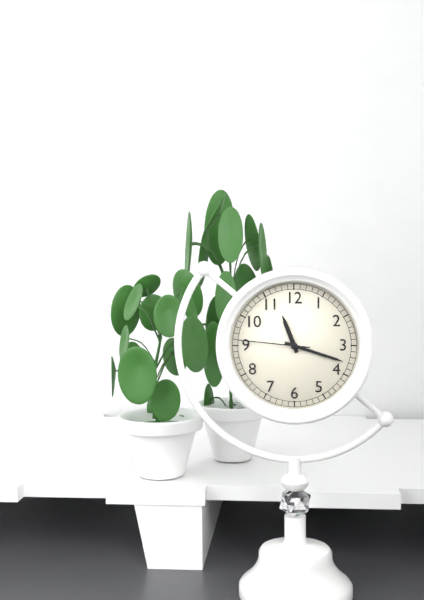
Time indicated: 11:18:46
